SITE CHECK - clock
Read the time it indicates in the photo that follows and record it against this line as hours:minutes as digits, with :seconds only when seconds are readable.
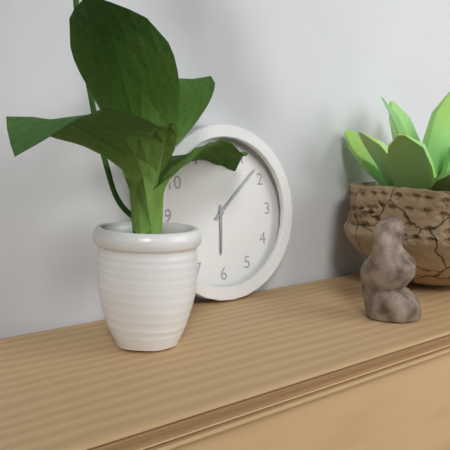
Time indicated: 6:08
